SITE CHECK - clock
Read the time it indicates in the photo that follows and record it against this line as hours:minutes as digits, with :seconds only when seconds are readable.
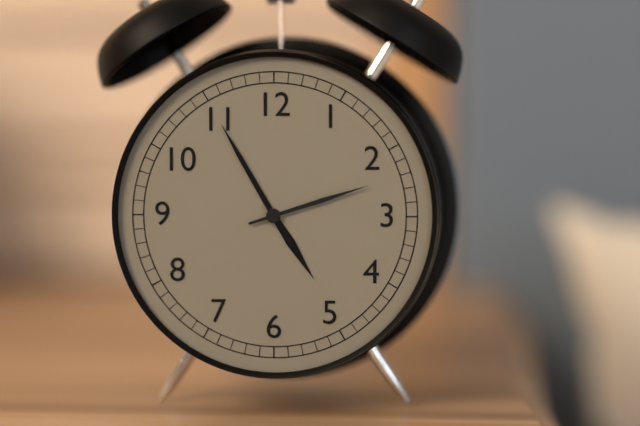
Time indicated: 4:55:12
